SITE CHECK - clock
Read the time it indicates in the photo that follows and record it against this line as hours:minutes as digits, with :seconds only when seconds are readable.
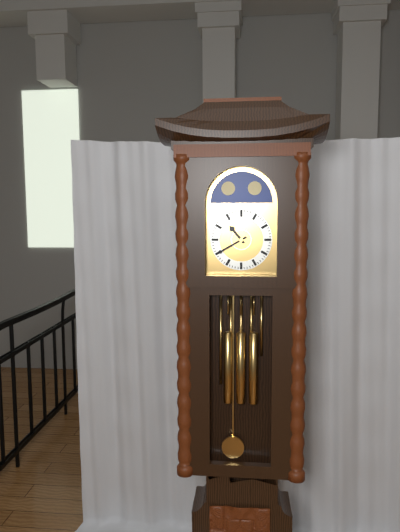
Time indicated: 10:40
